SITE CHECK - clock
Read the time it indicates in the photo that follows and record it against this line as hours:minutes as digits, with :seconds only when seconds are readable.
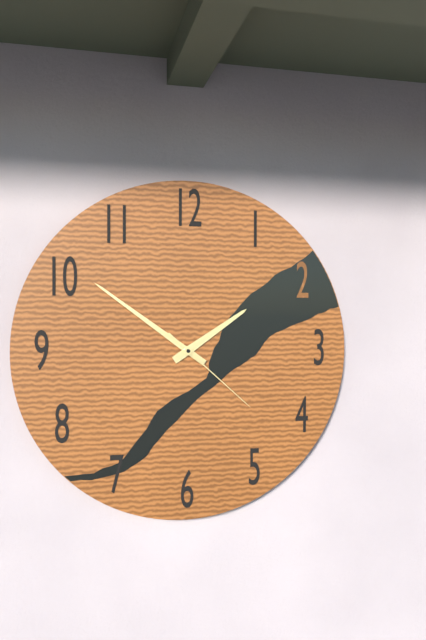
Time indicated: 1:51:22
